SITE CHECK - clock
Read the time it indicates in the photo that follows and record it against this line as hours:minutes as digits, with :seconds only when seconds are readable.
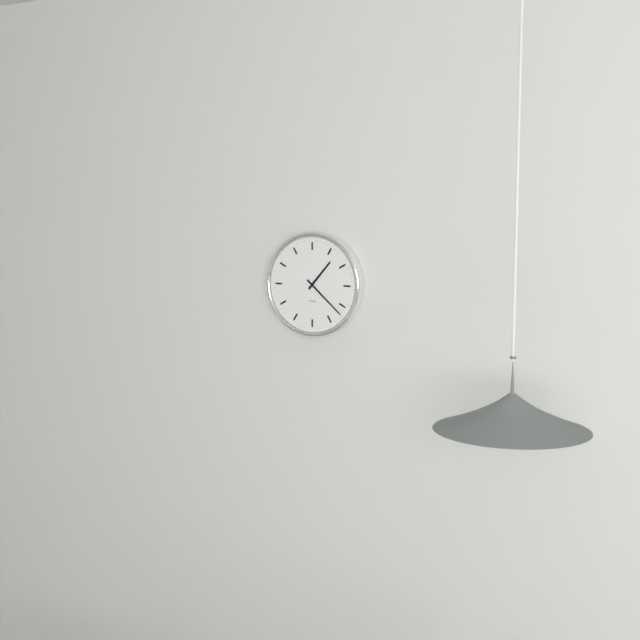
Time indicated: 1:22
